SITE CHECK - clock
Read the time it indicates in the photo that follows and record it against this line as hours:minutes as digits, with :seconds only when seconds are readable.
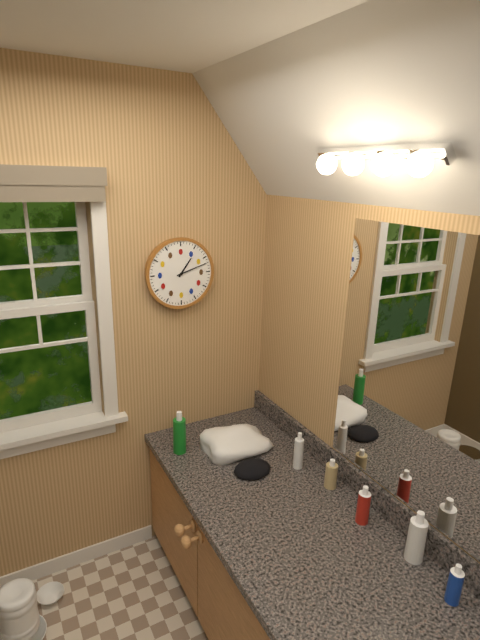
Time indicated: 1:12
